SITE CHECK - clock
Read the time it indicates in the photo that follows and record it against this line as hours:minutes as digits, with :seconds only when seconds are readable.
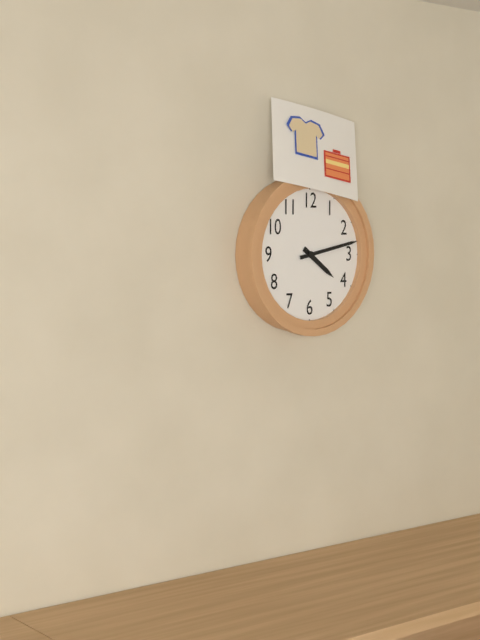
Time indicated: 4:13
